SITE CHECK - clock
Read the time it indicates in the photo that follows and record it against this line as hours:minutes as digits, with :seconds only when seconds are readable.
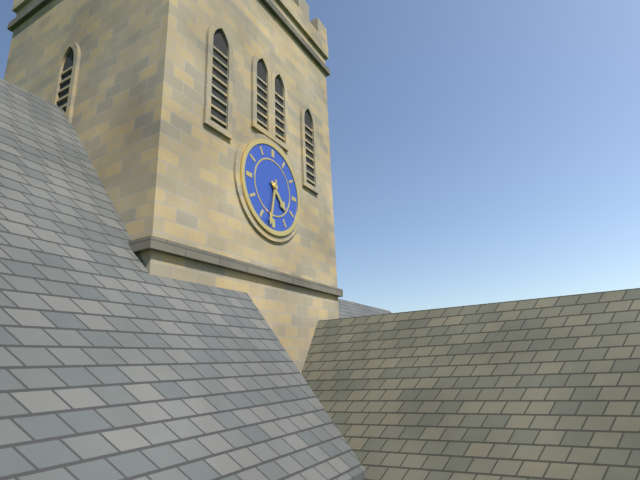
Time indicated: 4:32
